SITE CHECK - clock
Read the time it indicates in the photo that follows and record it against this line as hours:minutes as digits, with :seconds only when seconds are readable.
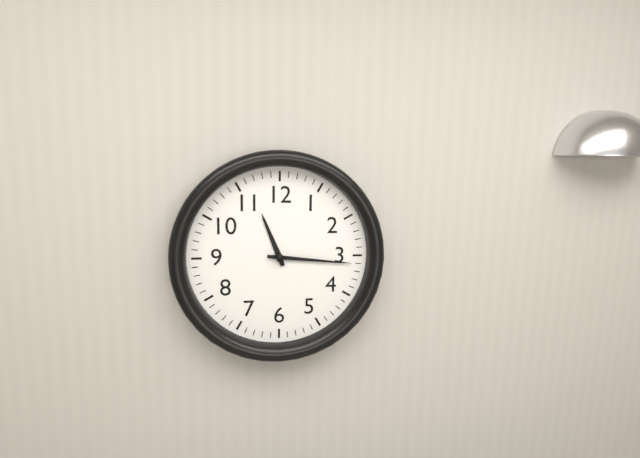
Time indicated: 11:16
